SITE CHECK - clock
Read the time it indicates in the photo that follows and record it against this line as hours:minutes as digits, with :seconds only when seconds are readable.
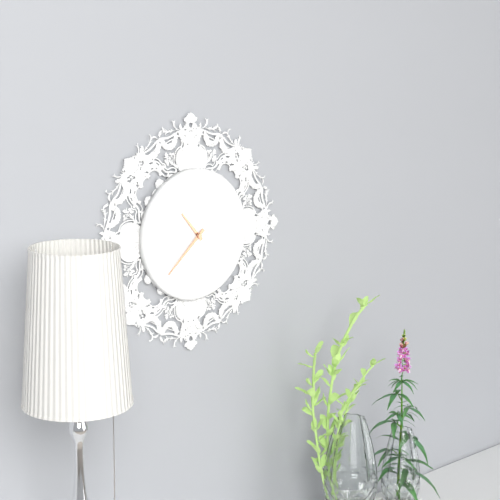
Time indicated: 10:38
